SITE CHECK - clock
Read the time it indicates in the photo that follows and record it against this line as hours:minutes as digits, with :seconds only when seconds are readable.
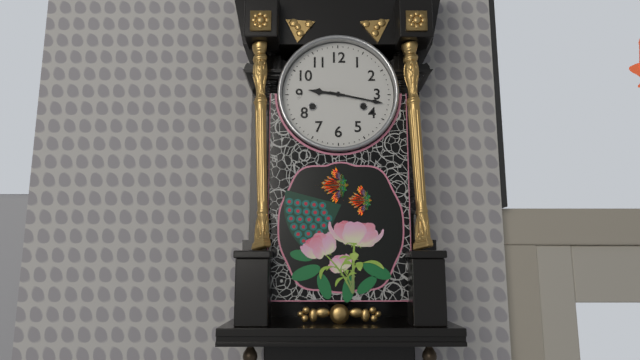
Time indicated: 9:17
